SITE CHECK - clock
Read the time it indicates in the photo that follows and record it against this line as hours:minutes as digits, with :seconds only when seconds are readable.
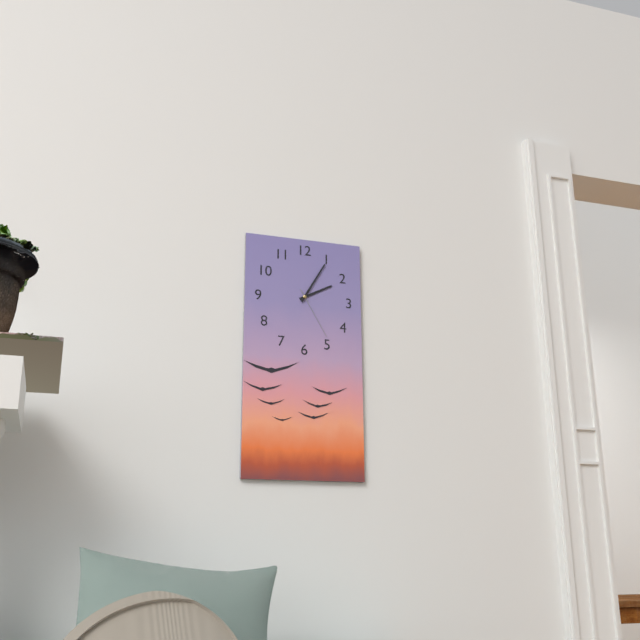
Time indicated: 2:05:25
